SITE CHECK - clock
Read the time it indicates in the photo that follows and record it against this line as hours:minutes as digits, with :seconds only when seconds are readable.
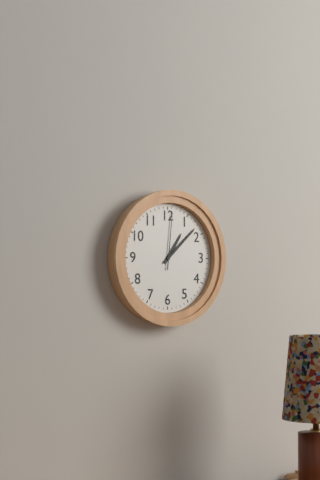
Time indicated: 1:08:01
